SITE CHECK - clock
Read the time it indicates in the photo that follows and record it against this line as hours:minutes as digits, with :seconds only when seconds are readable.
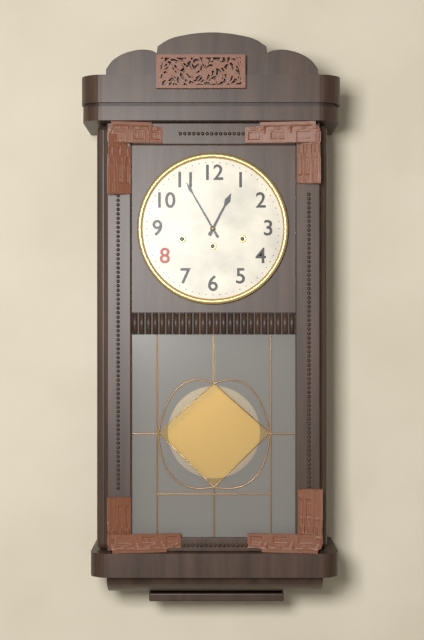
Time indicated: 12:55
